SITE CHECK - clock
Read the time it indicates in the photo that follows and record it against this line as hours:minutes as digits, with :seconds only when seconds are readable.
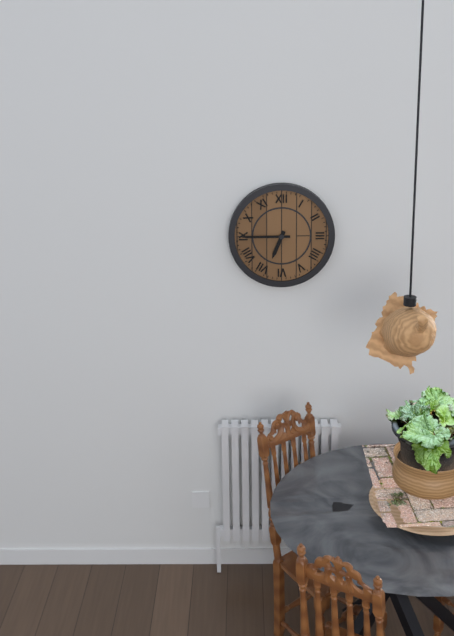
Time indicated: 6:45
